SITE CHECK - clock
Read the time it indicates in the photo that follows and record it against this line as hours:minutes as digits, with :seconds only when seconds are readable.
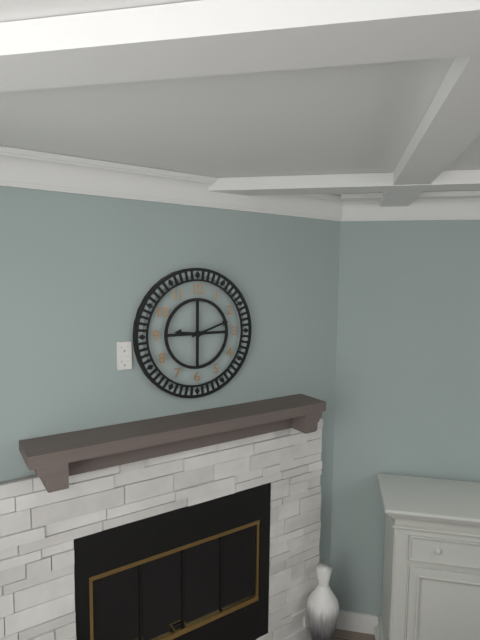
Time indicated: 9:12
